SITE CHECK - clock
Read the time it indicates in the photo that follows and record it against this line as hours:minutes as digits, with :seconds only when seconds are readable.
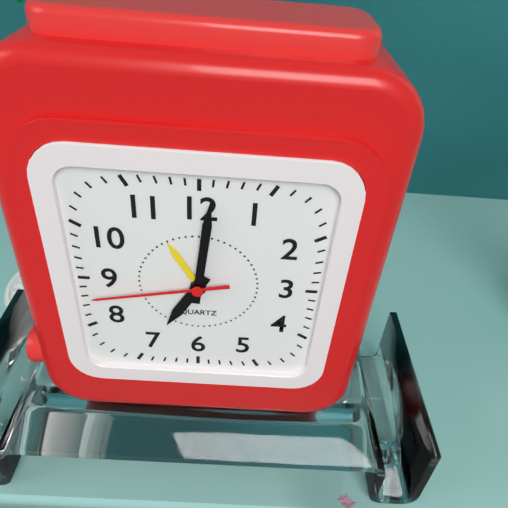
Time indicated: 7:01:43
